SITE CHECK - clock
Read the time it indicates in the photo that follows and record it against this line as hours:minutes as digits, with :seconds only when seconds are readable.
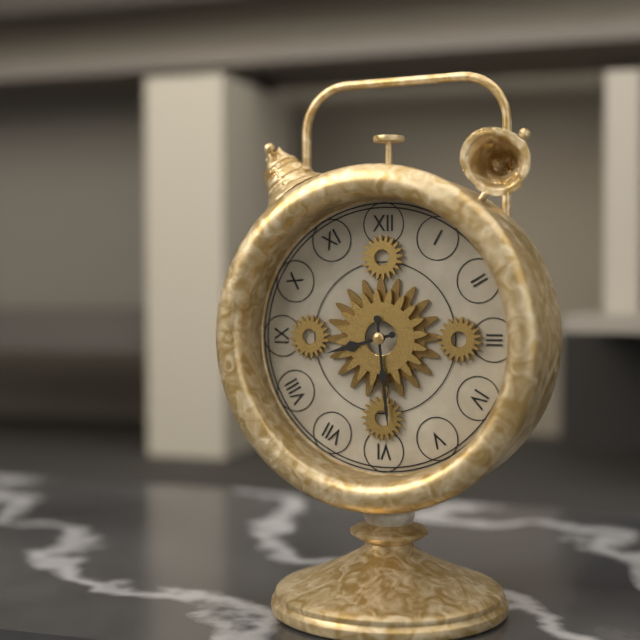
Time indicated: 8:29
